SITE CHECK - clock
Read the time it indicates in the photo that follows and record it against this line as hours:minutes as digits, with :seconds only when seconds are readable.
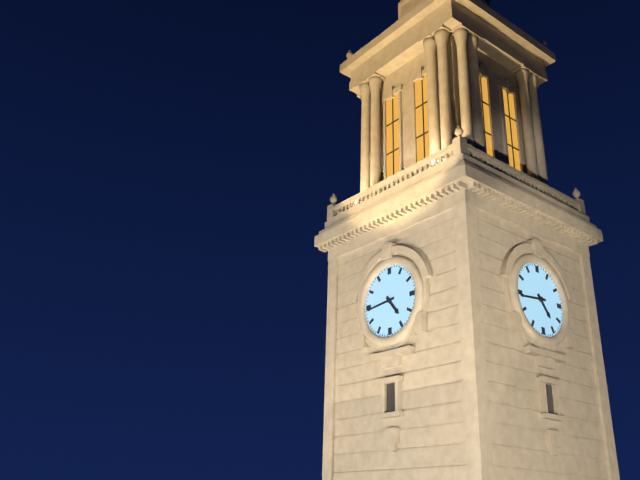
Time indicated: 4:44
